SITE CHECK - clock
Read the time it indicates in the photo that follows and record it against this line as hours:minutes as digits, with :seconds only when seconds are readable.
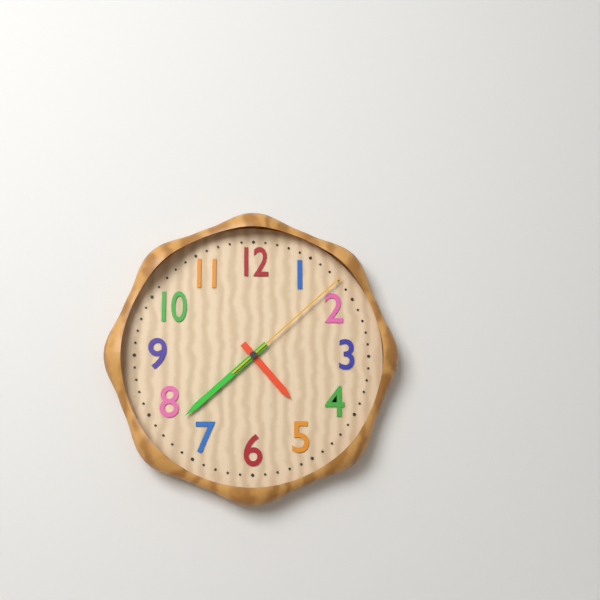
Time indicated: 4:38:08
